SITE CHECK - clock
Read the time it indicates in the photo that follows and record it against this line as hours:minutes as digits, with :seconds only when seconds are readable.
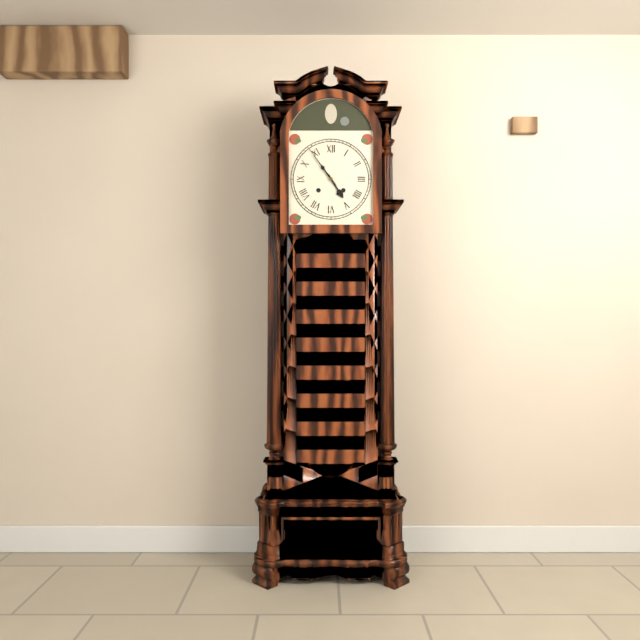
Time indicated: 4:54
